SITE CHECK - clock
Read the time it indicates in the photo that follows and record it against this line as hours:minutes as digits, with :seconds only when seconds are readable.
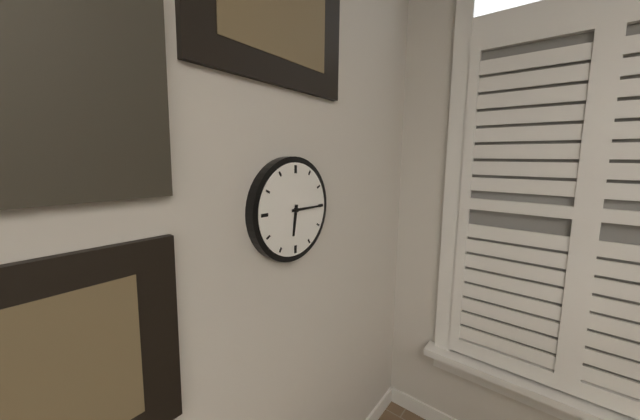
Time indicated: 6:15
